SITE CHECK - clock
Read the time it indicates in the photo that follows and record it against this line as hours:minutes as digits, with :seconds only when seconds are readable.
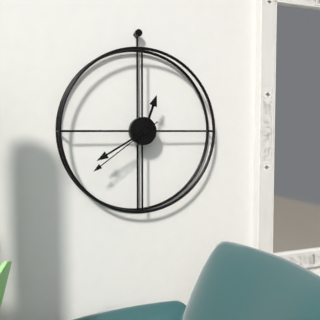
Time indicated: 12:40:39
